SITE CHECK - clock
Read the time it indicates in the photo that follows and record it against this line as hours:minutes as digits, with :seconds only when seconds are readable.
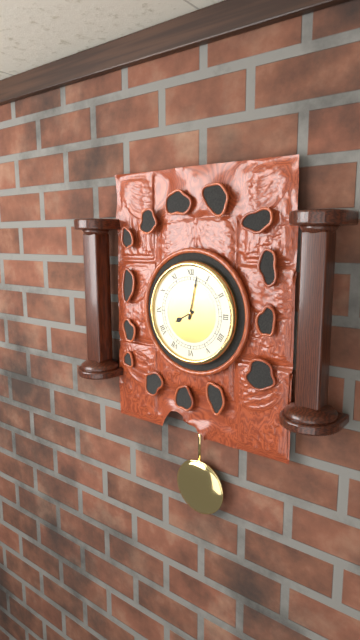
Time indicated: 8:02
